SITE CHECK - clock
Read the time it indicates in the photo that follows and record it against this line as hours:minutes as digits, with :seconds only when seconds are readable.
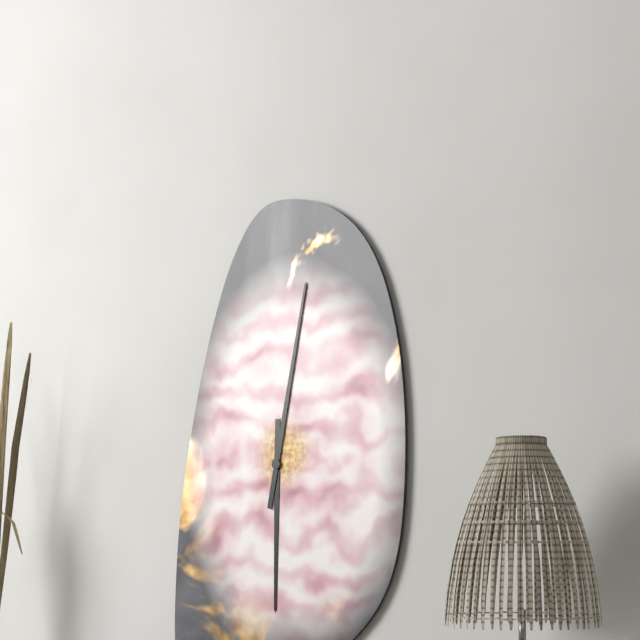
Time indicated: 6:02
